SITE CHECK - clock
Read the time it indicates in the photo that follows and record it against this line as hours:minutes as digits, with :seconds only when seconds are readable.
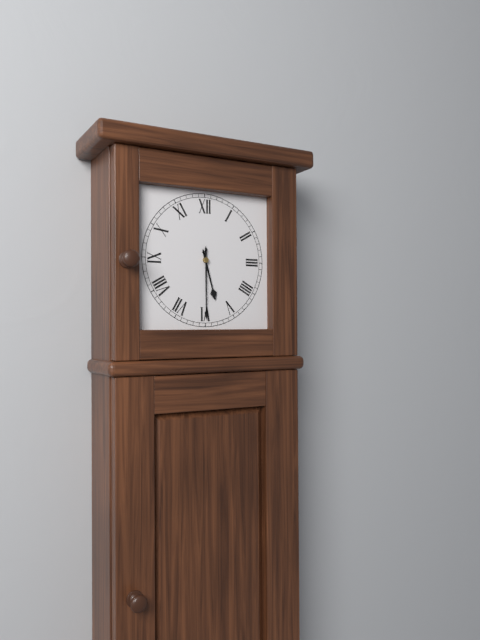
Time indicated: 5:30
